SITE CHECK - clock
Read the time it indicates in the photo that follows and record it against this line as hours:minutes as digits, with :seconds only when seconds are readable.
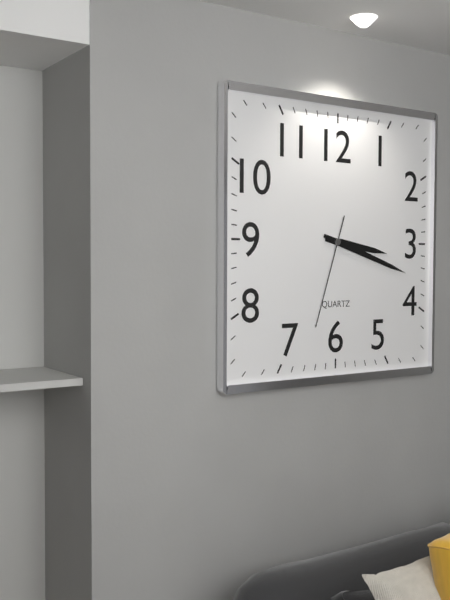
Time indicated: 3:18:33
